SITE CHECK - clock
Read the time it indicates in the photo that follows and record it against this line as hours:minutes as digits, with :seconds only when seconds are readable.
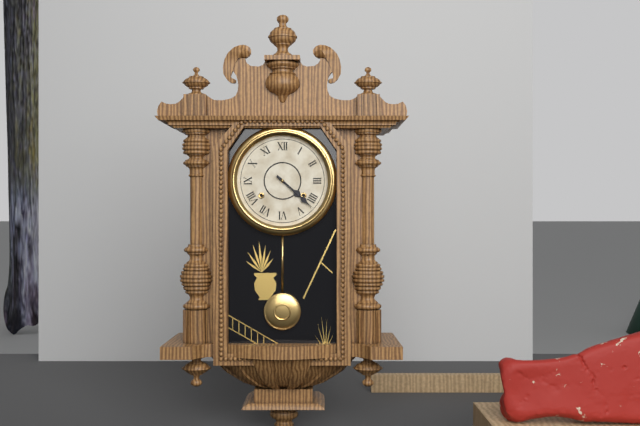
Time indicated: 4:22
